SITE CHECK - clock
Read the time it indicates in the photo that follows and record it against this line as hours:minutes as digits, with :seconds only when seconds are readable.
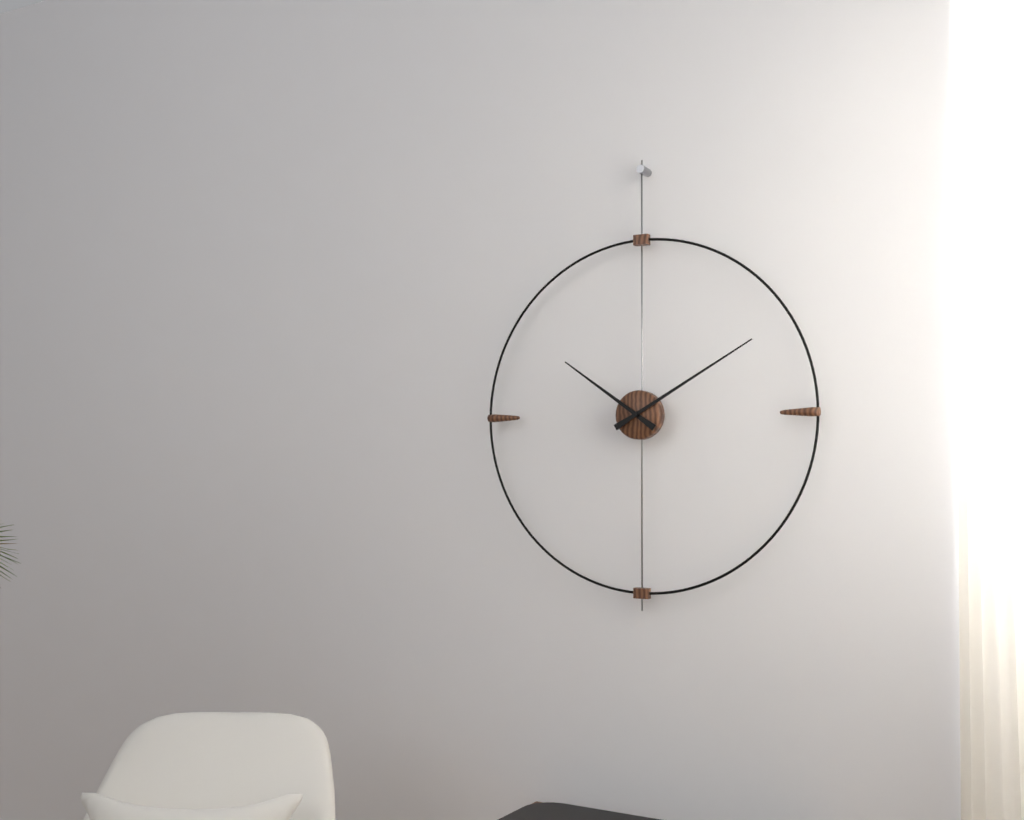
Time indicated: 10:10
